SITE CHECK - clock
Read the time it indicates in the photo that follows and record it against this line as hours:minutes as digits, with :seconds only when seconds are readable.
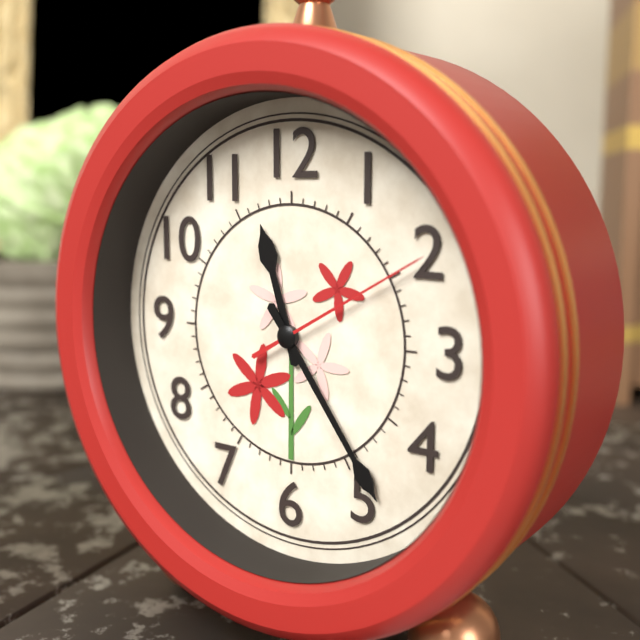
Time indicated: 11:24:10
